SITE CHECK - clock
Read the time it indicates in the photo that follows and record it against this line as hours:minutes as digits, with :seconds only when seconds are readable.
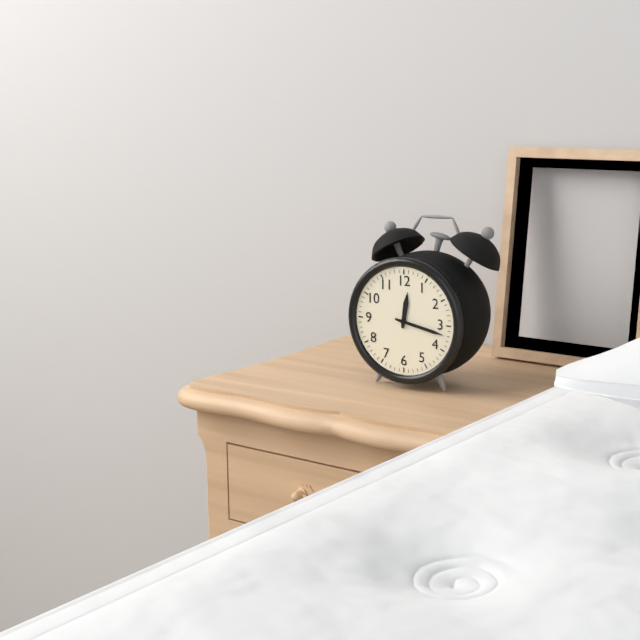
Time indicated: 12:17
